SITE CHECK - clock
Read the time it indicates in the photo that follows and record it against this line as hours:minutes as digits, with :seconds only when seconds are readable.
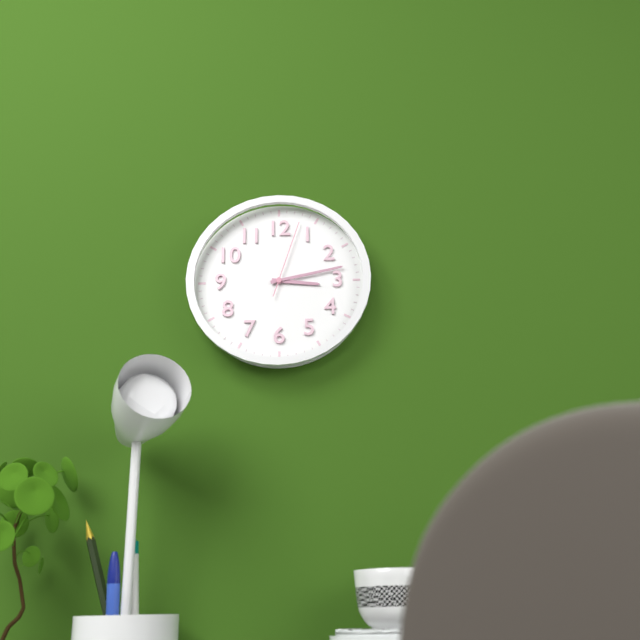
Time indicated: 3:13:03
